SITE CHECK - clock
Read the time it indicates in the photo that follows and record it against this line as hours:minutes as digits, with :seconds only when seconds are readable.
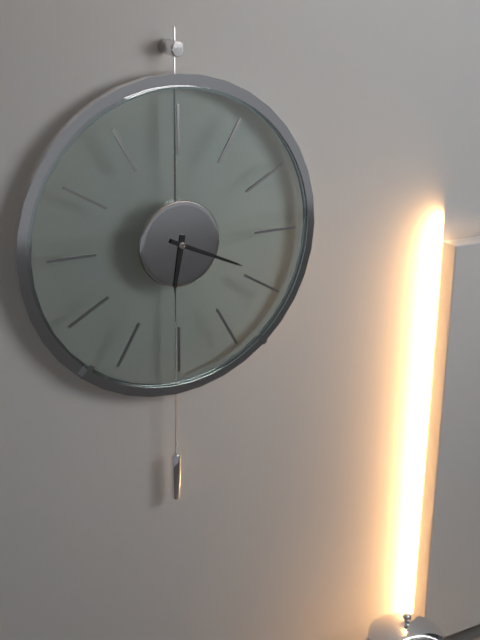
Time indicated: 6:19
